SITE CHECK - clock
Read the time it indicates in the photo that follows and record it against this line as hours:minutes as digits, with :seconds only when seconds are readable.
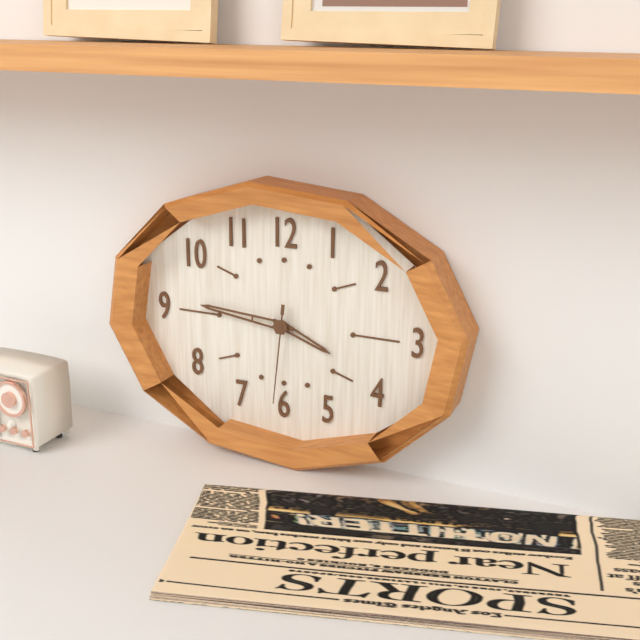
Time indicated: 3:46:31
